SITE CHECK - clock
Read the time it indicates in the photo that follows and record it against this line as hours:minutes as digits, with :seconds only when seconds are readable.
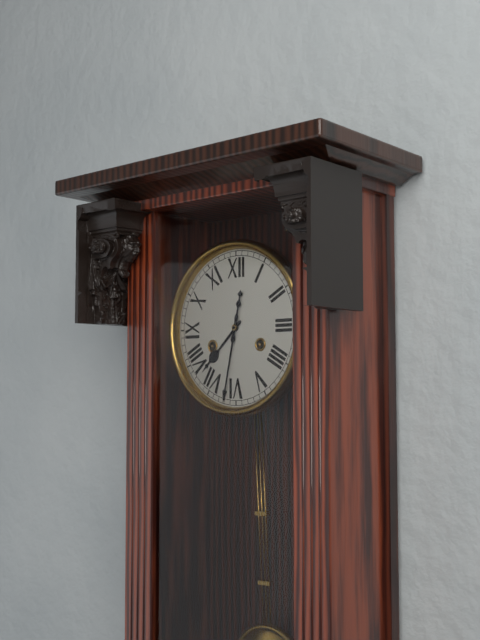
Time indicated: 7:32
